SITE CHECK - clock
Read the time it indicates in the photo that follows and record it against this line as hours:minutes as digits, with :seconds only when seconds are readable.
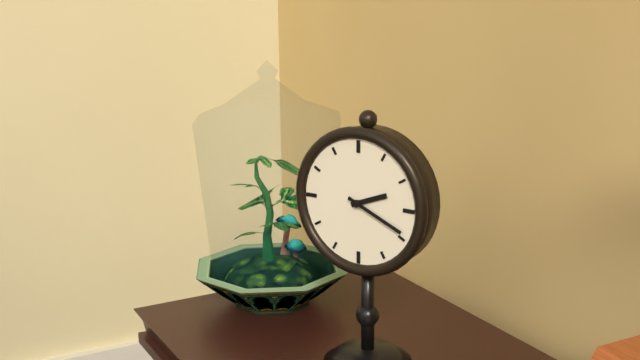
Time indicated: 2:19
